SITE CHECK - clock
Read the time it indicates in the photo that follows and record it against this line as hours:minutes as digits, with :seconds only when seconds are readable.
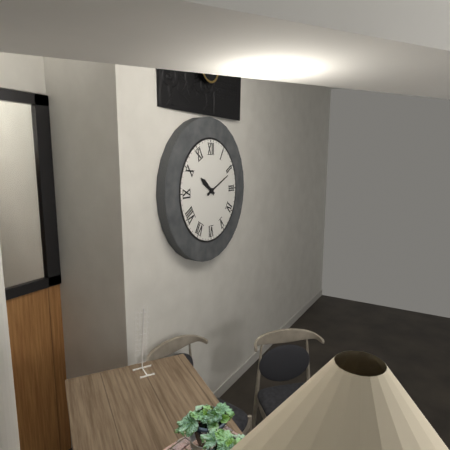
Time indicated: 10:11
